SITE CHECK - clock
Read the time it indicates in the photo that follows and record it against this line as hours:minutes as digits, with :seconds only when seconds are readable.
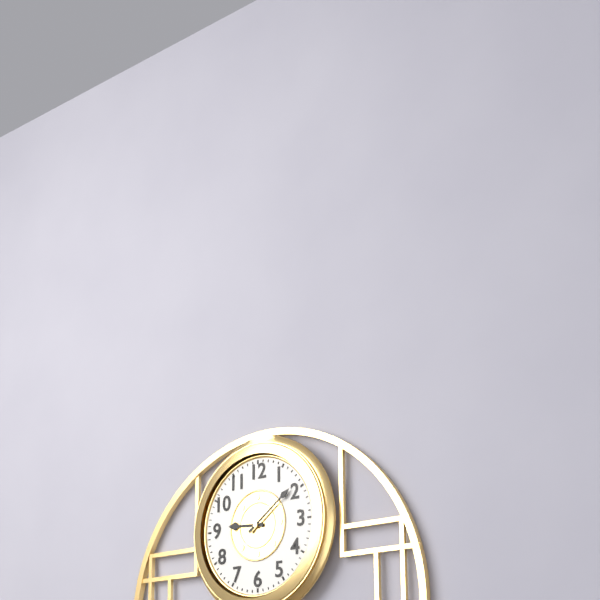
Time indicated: 9:09
